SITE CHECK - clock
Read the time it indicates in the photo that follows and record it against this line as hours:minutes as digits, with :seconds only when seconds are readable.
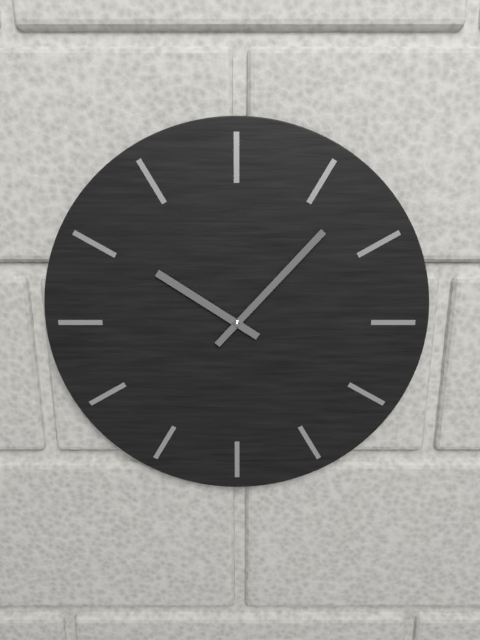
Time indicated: 10:07
